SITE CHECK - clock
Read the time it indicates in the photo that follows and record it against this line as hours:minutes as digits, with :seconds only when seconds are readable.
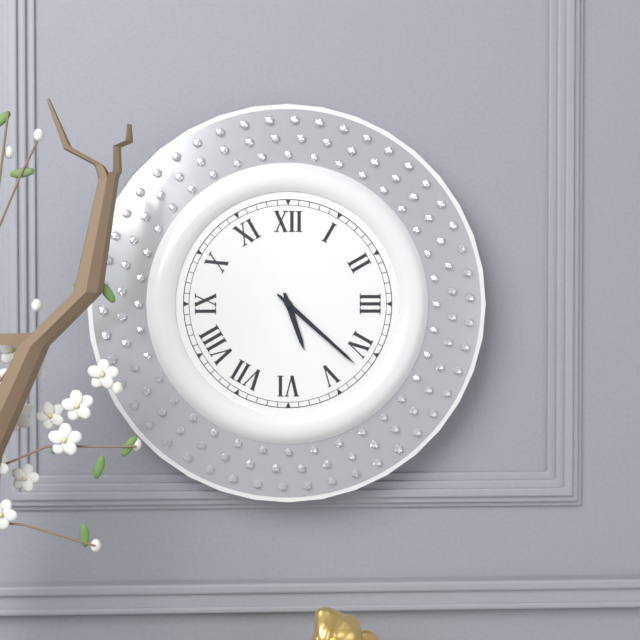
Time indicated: 5:22
